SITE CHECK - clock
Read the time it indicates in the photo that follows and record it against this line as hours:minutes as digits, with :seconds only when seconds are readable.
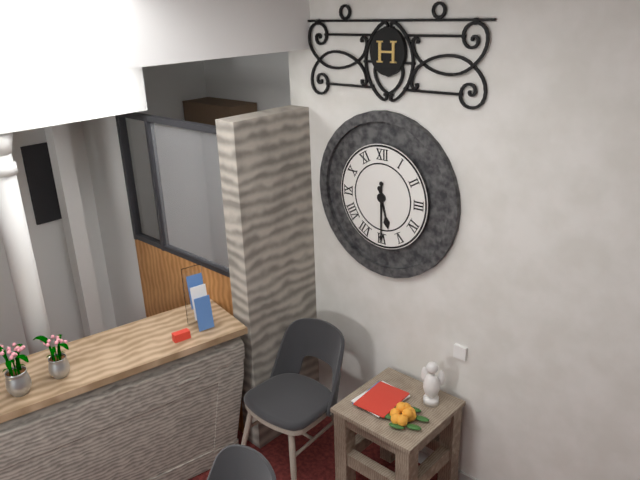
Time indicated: 5:30
